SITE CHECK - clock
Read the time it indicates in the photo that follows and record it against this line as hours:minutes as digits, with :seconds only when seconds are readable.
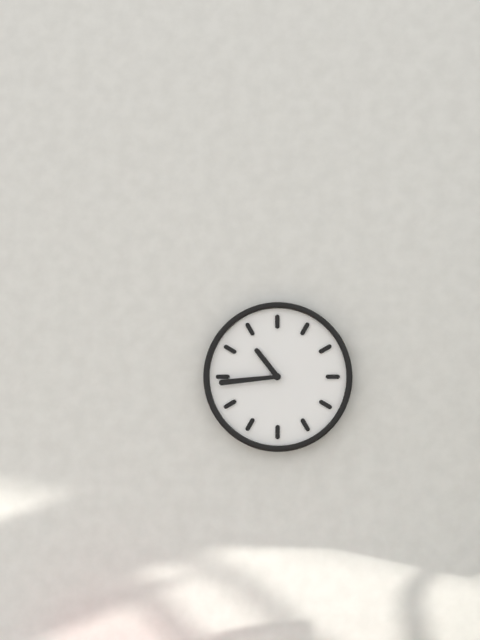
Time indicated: 10:44
